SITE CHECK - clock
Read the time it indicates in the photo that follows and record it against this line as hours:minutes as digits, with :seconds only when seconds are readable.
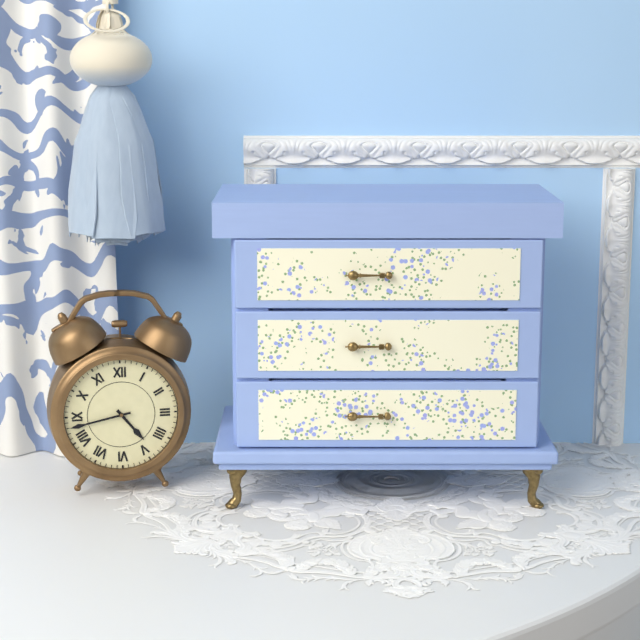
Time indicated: 4:43
